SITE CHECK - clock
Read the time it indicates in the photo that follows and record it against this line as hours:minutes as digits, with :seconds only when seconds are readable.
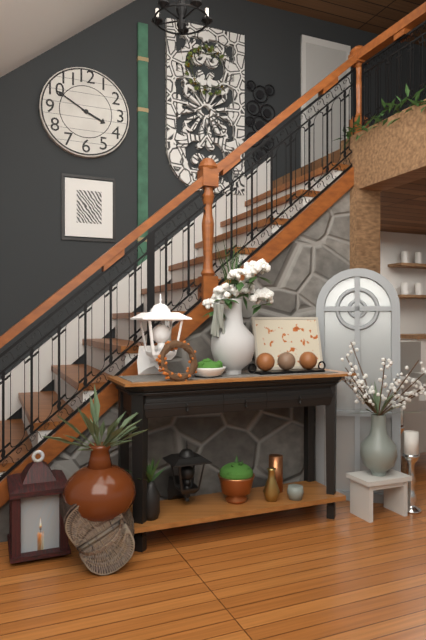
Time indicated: 3:50
